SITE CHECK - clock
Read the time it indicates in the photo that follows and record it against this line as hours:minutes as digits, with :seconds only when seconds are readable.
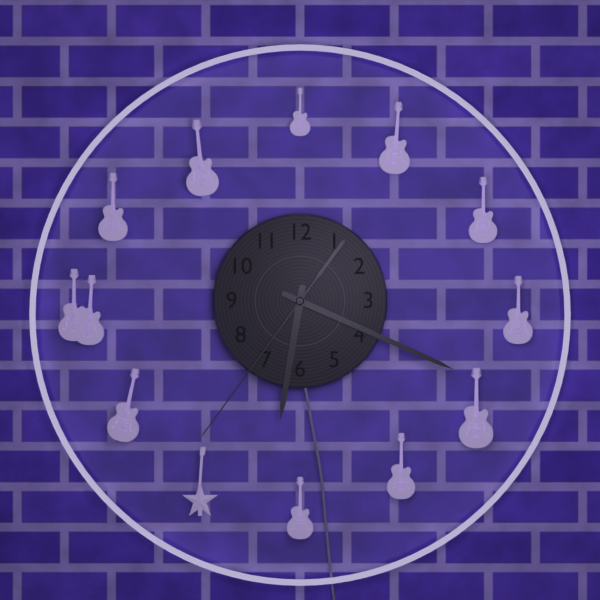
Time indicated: 6:19:36
